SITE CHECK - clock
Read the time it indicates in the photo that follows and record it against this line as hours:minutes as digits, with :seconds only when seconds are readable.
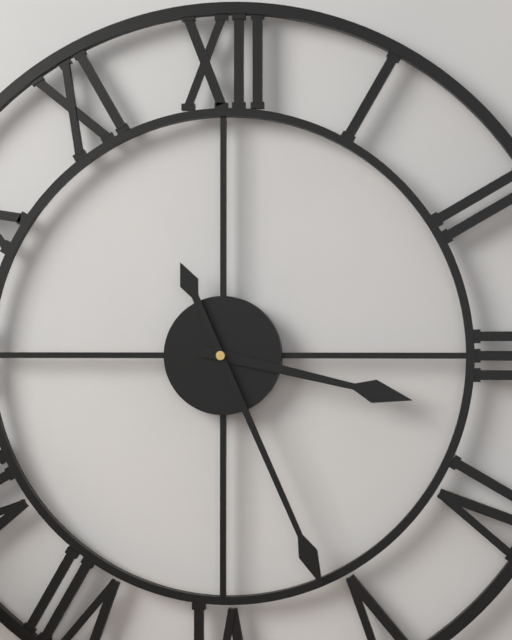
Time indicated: 3:26
